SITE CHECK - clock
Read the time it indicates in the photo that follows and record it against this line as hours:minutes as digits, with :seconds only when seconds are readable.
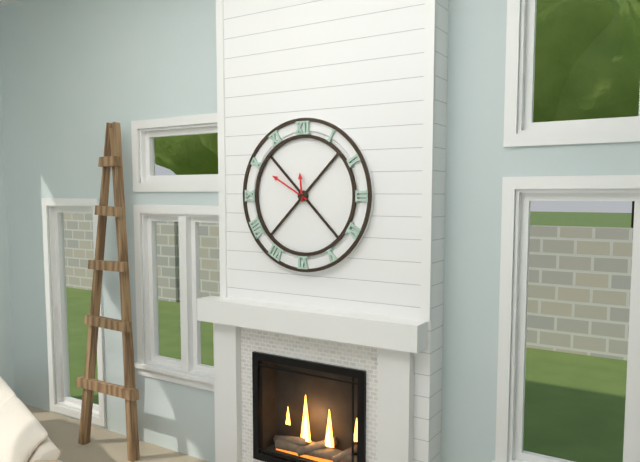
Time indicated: 11:50
